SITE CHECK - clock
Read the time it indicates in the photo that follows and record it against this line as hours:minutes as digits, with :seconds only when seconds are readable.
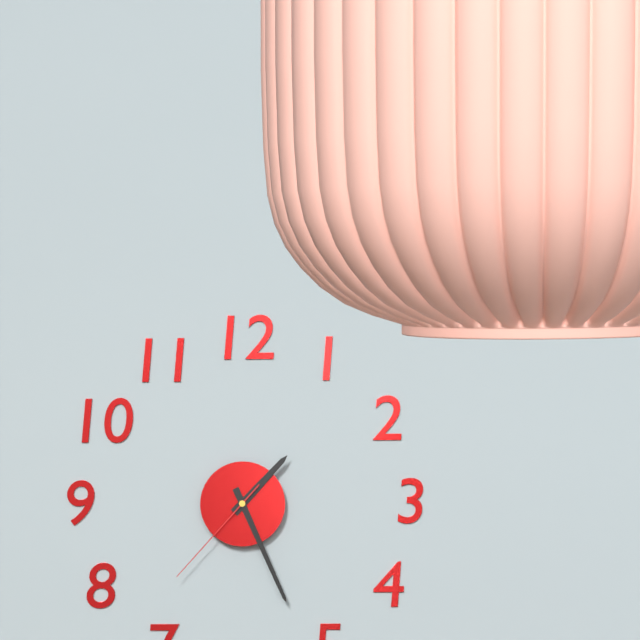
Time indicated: 1:26:37
